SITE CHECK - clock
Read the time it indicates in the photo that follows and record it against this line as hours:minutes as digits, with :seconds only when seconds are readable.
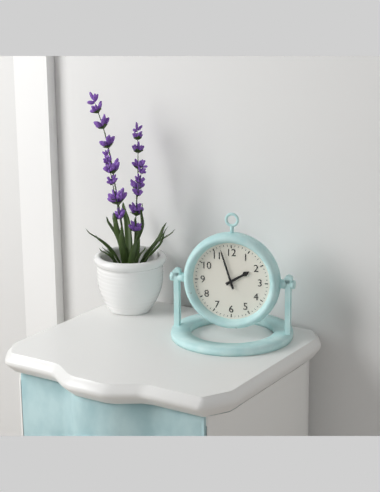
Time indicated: 1:57
